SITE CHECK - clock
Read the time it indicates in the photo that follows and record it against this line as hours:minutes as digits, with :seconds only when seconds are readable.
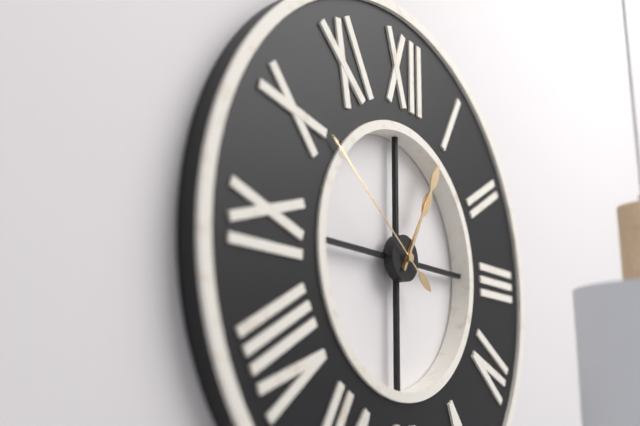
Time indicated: 1:05:51
